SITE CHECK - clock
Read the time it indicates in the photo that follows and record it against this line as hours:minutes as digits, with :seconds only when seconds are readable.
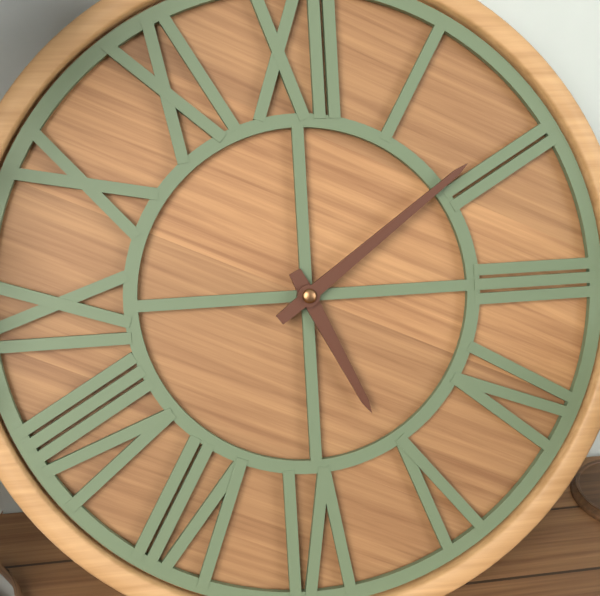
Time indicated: 5:09
